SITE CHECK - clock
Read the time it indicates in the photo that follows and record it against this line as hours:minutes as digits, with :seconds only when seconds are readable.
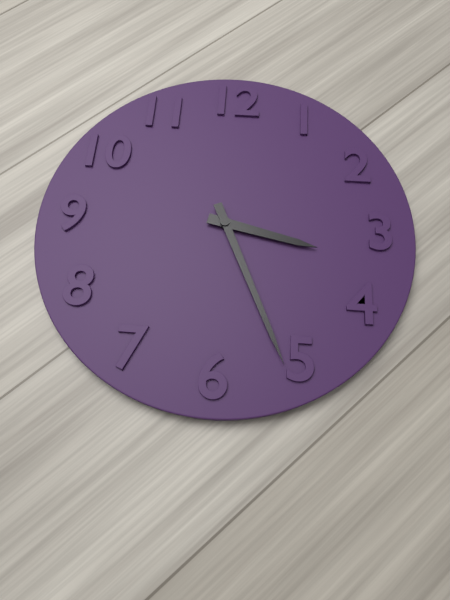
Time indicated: 3:26
